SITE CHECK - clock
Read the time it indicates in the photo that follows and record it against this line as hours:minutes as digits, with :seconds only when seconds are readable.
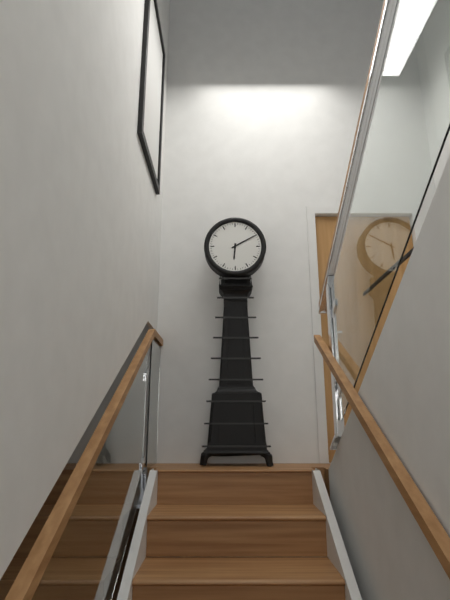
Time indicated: 6:10
